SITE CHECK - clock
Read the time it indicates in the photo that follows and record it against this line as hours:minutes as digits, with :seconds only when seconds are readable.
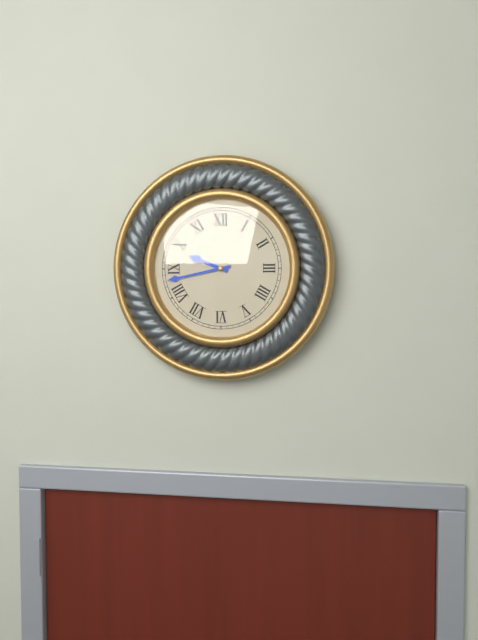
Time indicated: 9:43
